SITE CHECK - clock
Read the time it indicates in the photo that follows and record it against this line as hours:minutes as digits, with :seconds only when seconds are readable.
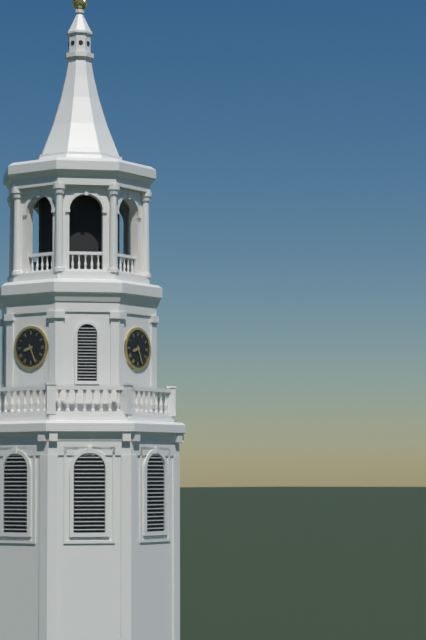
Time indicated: 8:26
